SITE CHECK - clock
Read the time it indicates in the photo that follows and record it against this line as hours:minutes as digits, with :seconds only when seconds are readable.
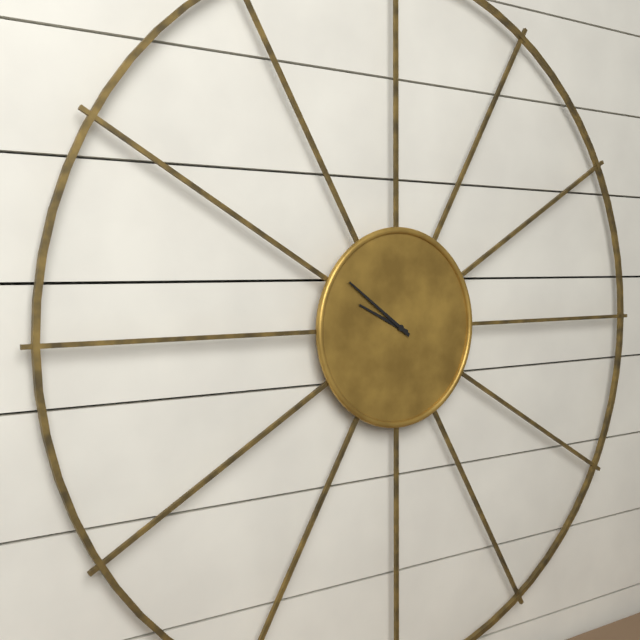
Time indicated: 9:51
